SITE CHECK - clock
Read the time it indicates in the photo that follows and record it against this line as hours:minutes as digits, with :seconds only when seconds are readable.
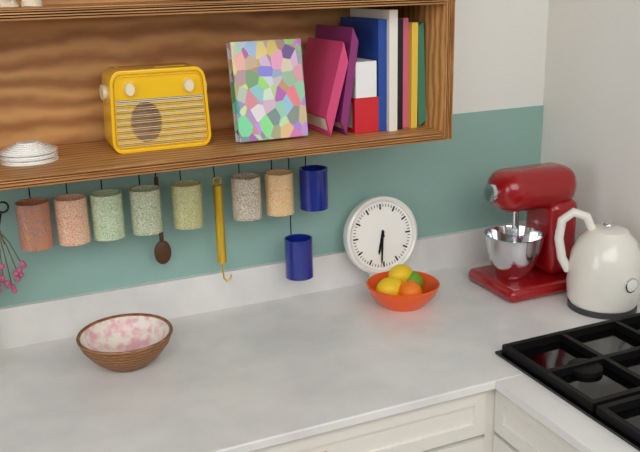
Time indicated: 6:31
